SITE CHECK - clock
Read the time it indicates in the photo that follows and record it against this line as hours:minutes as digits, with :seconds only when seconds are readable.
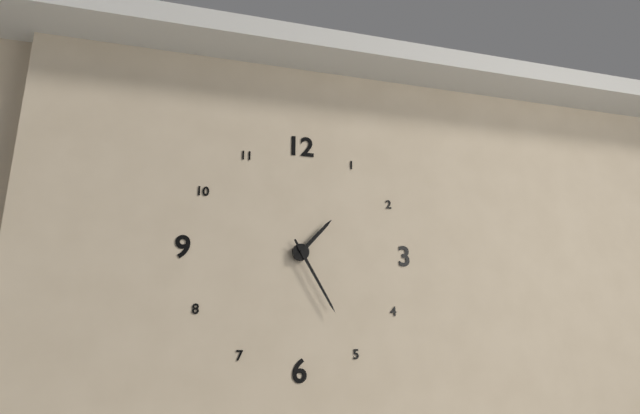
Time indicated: 1:25
